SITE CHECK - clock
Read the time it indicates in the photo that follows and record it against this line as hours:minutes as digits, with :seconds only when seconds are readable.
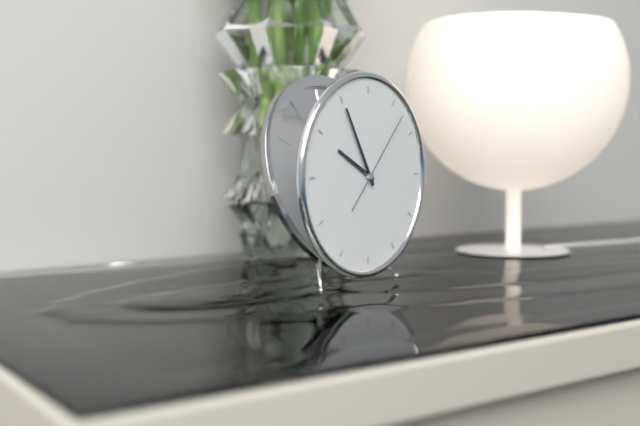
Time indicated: 9:55:07
